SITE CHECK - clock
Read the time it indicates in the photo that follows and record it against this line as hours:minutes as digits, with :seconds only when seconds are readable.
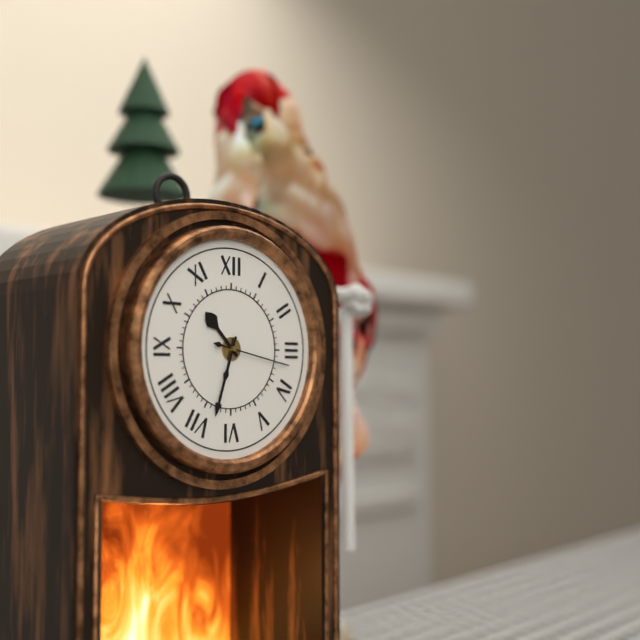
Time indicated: 10:33:17
